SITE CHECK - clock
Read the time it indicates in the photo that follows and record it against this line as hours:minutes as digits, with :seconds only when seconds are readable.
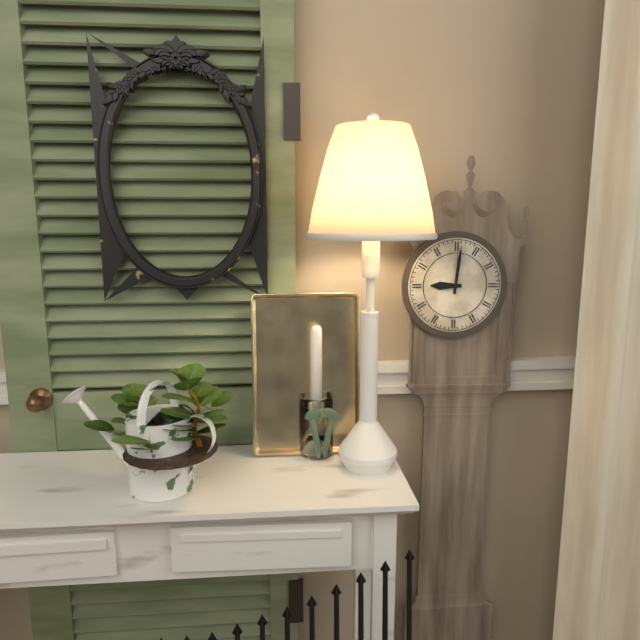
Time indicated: 9:01
